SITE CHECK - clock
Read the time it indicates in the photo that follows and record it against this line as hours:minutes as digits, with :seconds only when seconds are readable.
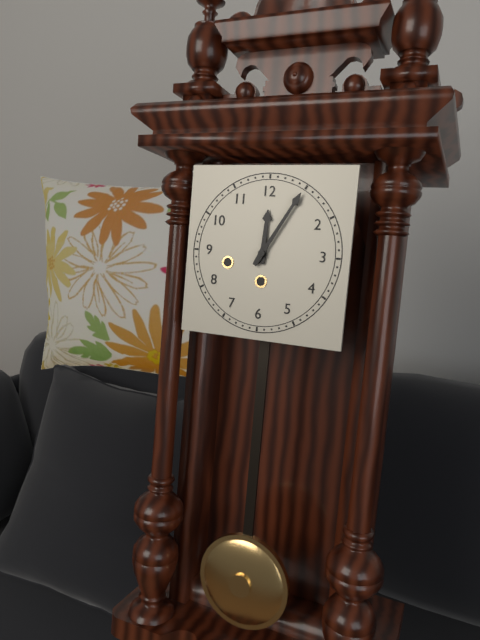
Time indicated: 12:05
